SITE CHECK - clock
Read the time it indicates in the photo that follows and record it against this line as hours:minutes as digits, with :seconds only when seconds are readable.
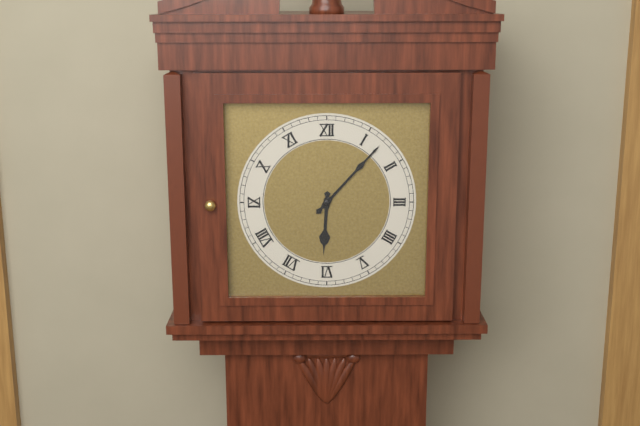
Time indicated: 6:07
